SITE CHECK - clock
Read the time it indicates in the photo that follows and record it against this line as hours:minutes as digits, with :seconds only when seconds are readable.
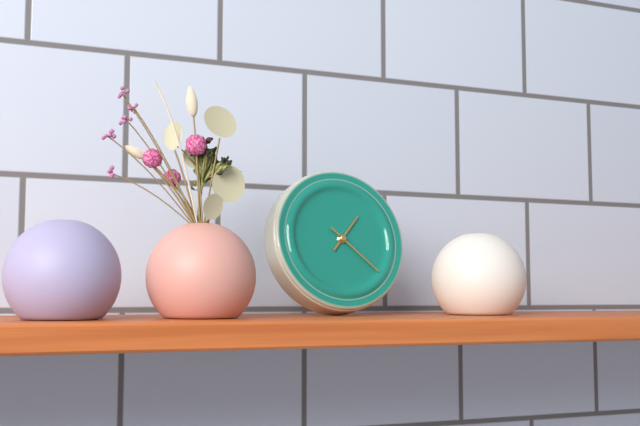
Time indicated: 1:22
